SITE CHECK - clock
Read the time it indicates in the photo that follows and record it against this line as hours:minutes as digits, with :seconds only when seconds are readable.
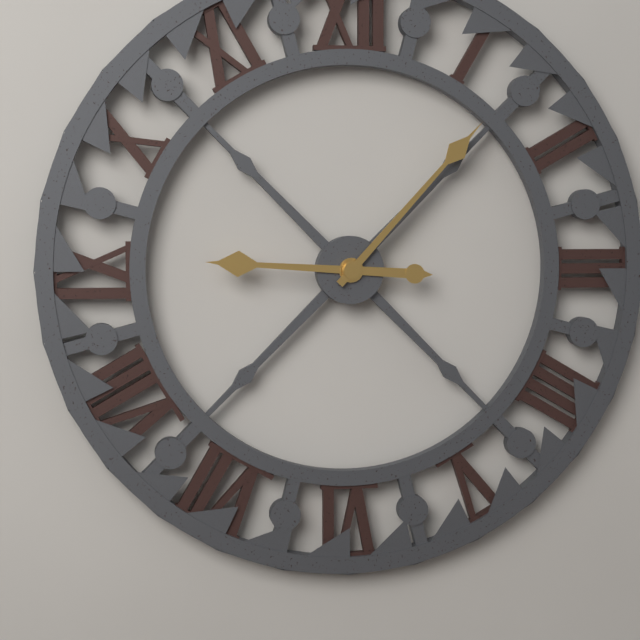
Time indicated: 9:07
